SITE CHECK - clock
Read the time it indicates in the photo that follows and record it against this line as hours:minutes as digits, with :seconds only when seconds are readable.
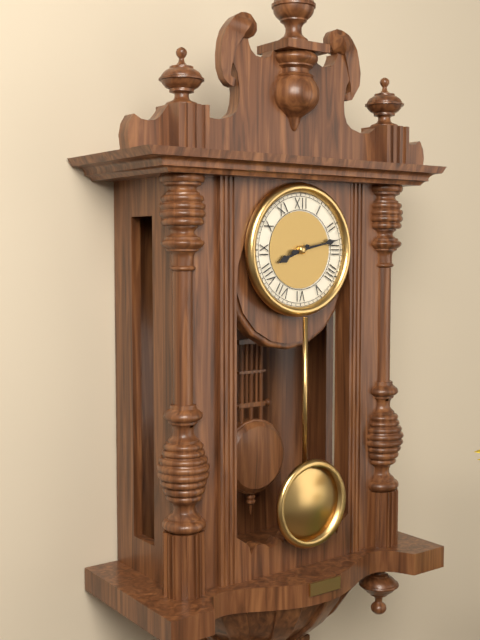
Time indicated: 8:13
